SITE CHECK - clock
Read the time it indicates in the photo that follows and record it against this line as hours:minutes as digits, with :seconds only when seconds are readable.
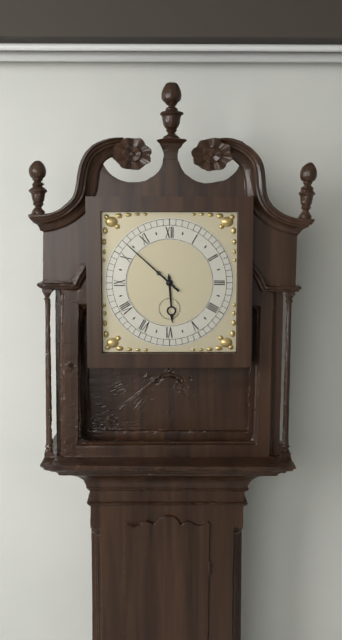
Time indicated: 5:52
